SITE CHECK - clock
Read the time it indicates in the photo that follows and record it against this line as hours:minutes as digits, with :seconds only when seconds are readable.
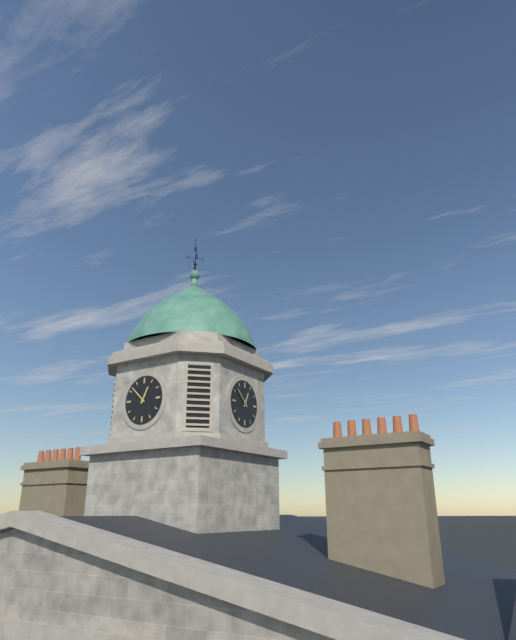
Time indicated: 12:52
